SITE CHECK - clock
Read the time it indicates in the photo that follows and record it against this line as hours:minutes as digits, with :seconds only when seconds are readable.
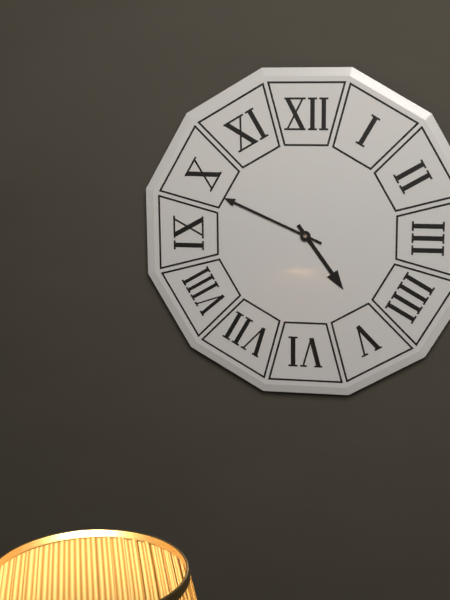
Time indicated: 4:49
